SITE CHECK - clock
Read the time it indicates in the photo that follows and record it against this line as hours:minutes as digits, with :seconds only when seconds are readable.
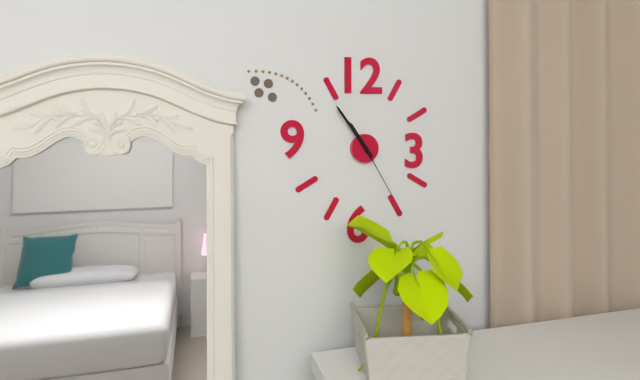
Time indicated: 10:54:25
